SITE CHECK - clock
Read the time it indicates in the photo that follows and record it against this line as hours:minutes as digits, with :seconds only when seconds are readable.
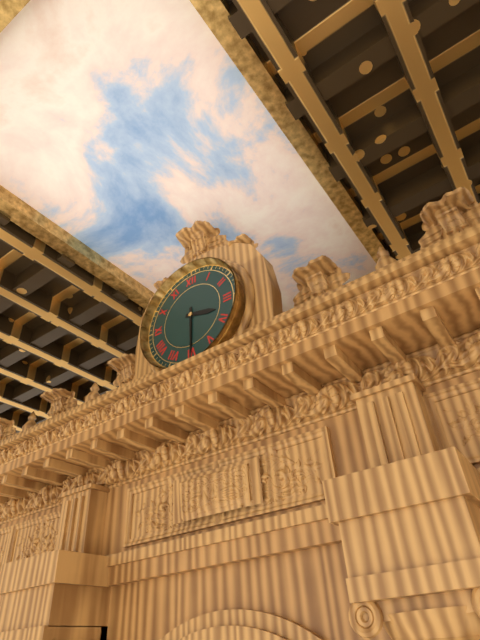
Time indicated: 3:30
